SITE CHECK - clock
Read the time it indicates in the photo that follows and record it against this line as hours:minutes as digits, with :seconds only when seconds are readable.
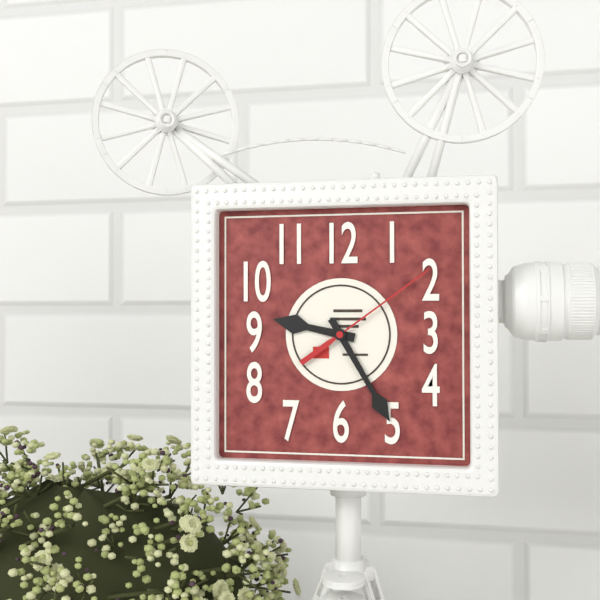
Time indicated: 9:25:09
